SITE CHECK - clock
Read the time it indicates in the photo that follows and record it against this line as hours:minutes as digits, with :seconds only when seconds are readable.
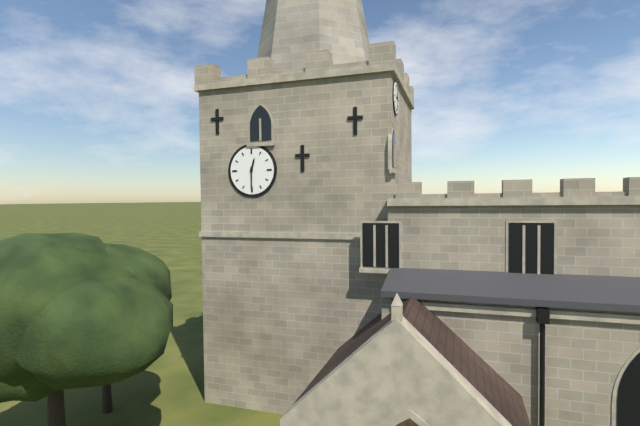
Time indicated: 12:30
